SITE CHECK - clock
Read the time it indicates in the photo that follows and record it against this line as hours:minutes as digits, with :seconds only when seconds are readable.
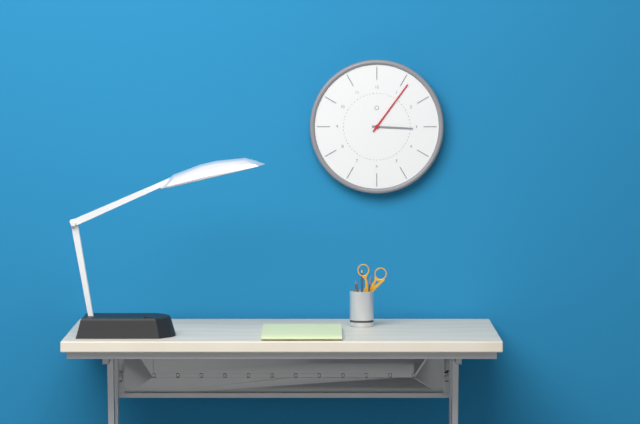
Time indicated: 3:06
